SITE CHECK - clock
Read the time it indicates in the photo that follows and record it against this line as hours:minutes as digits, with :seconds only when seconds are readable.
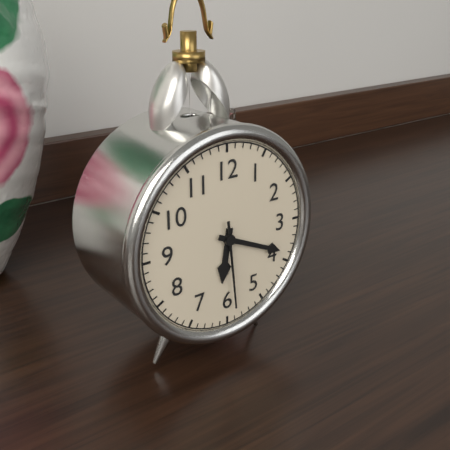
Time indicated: 6:19:29
